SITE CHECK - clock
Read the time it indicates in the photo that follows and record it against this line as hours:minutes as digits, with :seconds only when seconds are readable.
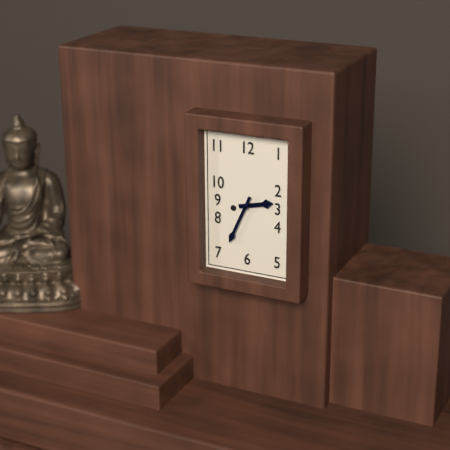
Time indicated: 2:34
